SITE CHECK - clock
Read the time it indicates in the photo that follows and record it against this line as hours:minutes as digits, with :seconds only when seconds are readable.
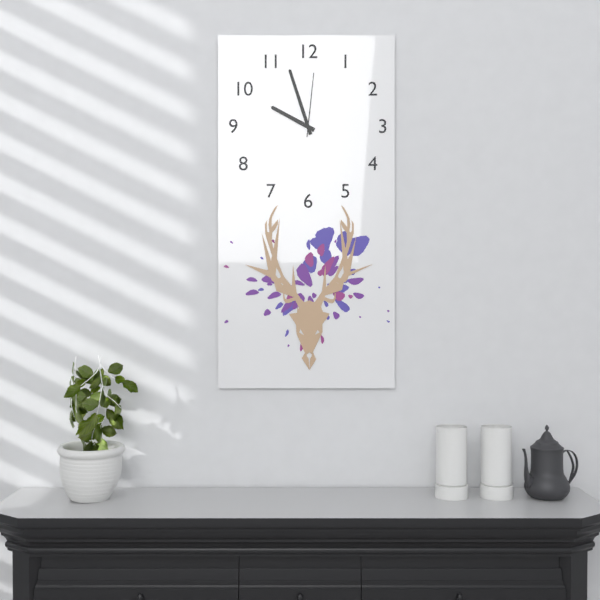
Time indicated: 9:57:01
